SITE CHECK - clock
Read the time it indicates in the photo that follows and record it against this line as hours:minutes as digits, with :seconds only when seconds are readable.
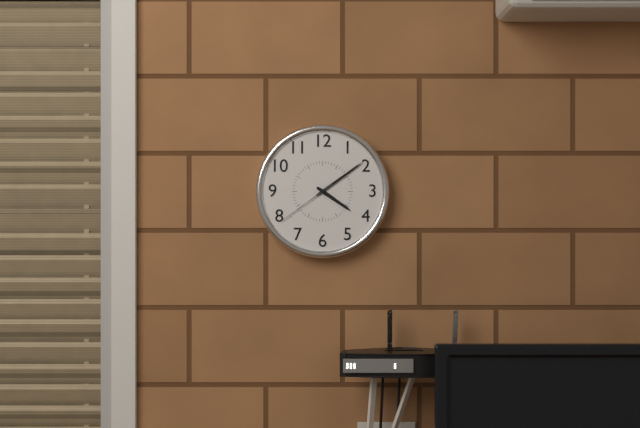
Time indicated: 4:09:39
